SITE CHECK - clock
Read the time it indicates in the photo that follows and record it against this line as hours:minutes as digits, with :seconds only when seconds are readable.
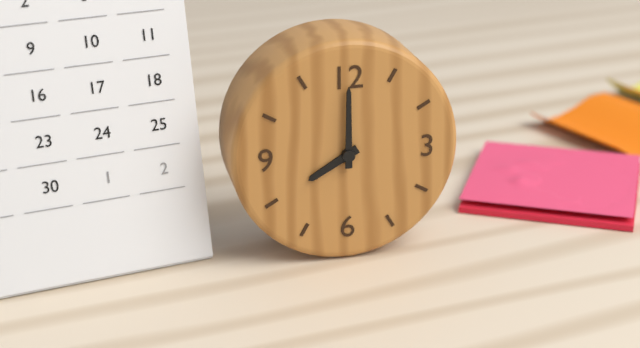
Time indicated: 8:00
